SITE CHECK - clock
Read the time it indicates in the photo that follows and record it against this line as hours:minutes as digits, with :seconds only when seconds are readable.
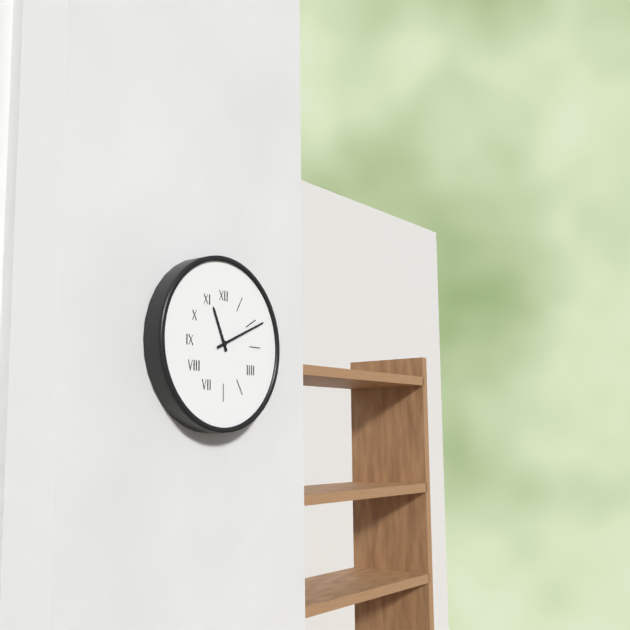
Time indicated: 11:11
